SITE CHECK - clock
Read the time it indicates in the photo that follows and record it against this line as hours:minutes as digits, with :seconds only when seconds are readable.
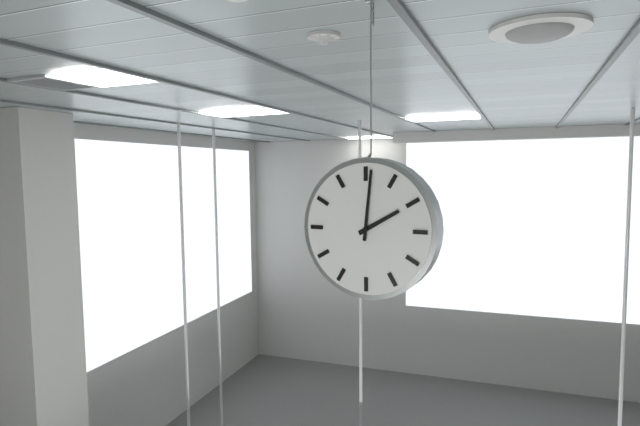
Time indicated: 2:01
